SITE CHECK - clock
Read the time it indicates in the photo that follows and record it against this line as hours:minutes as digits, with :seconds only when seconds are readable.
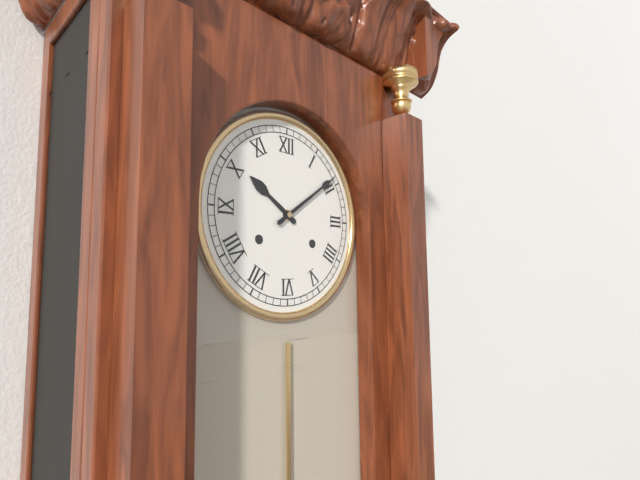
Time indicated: 10:09
